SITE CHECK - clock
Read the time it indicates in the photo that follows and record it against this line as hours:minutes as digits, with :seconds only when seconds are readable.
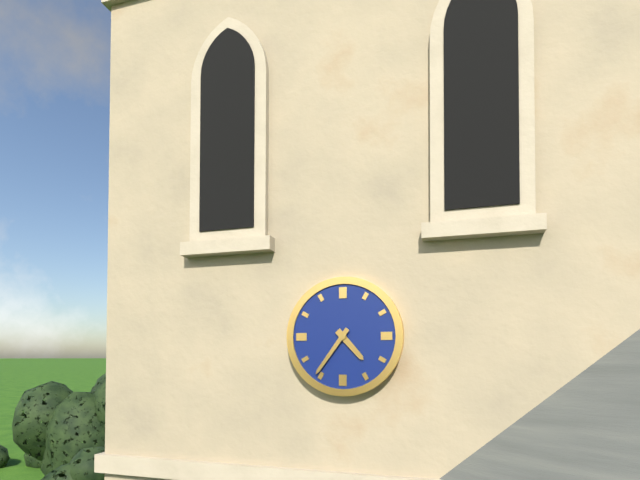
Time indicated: 4:36
